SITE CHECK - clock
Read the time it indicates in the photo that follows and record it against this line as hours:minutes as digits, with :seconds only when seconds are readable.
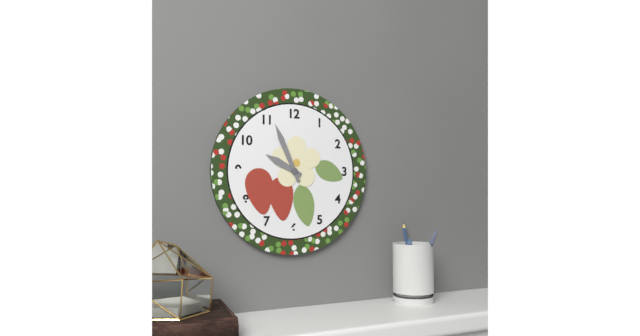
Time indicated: 9:56
